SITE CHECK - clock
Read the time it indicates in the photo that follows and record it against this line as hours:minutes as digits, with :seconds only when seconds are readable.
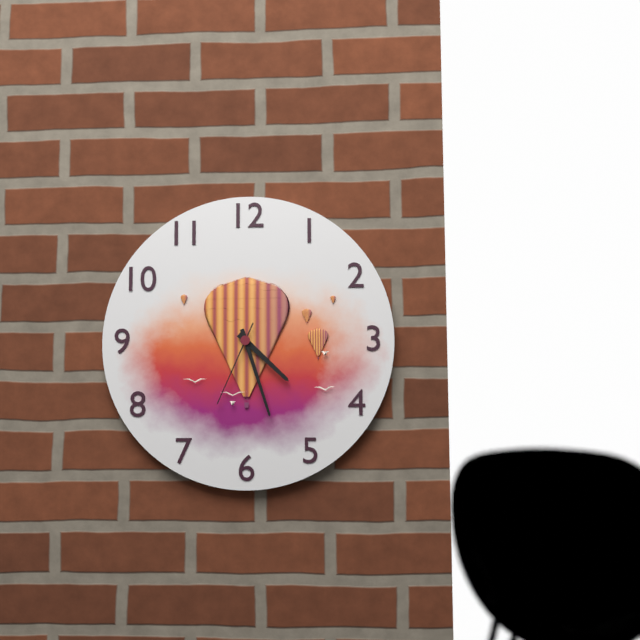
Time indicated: 4:27:34
